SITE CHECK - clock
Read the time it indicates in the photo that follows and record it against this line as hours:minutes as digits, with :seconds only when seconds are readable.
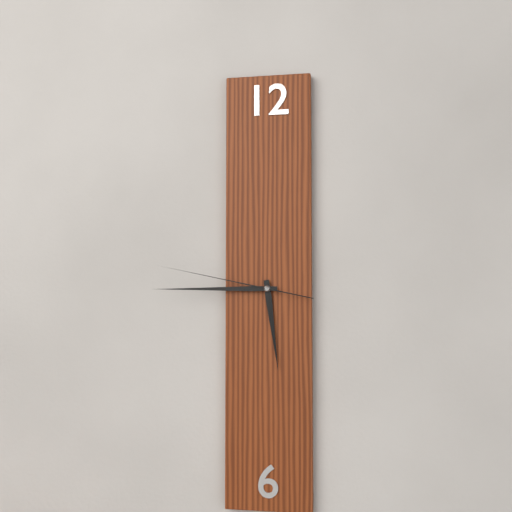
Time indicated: 5:45:47
